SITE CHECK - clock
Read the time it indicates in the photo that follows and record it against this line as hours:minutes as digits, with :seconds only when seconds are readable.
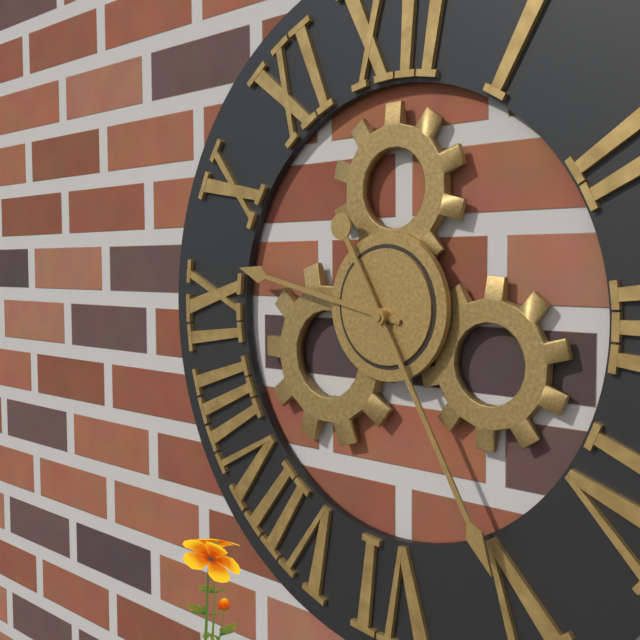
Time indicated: 9:25
